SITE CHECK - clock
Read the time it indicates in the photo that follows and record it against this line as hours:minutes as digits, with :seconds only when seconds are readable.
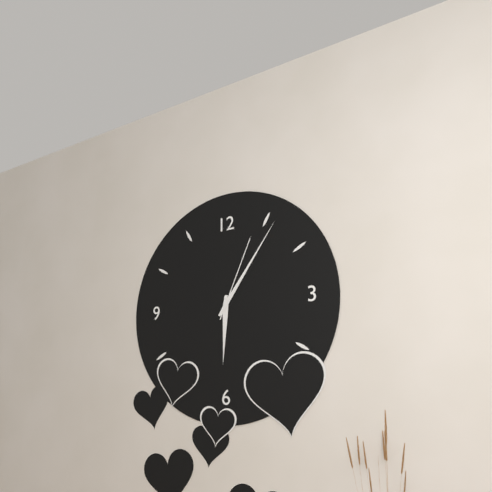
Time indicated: 6:06:04
